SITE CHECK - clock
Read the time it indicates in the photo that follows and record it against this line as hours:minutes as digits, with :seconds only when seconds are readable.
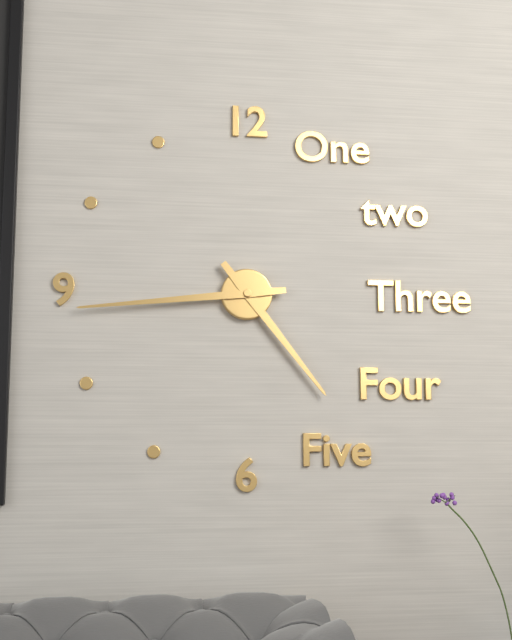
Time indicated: 4:44
